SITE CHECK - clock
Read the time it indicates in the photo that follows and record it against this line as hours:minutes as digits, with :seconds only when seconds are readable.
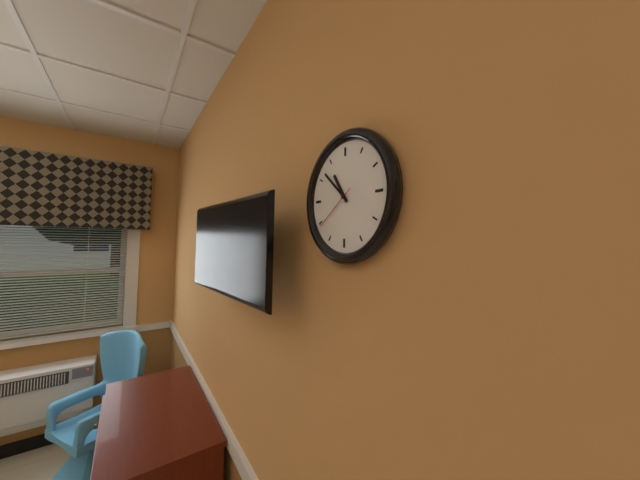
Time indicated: 10:52:39
